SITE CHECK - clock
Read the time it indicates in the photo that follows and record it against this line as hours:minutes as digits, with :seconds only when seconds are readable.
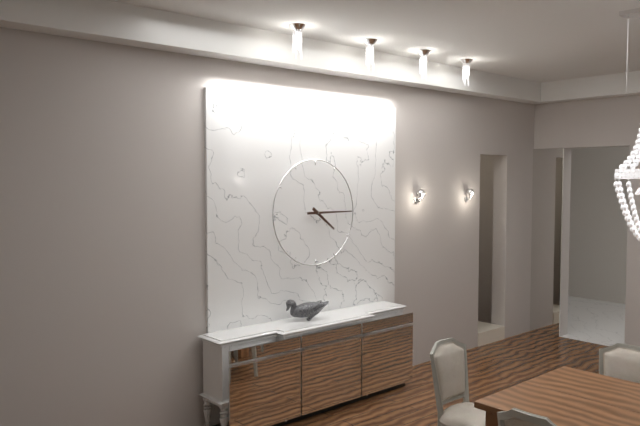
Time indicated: 4:15
